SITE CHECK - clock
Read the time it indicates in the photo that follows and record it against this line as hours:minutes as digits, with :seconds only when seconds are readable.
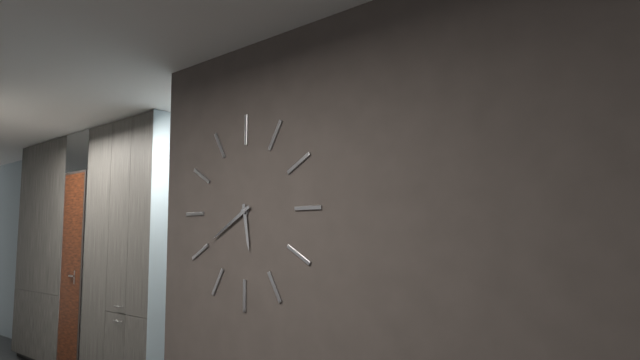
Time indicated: 5:40
